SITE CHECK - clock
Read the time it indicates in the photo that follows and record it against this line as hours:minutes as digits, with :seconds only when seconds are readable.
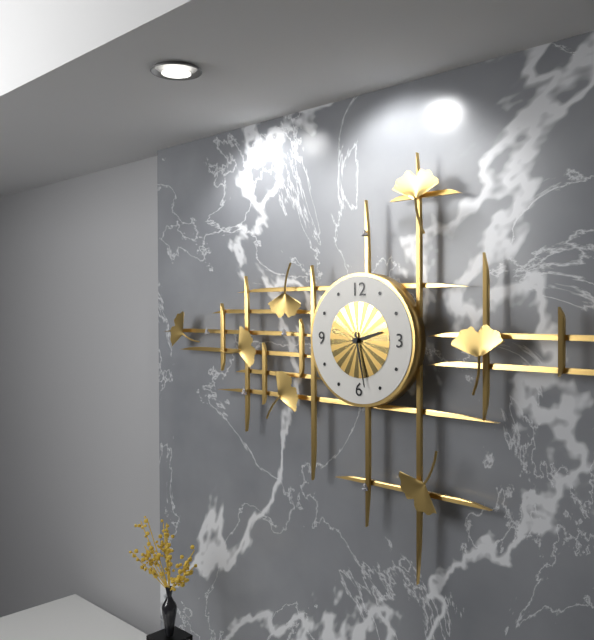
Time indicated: 2:28
